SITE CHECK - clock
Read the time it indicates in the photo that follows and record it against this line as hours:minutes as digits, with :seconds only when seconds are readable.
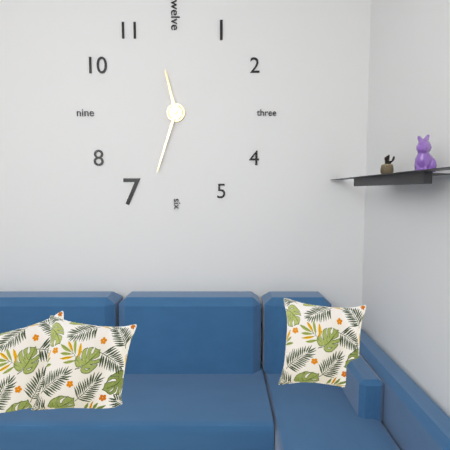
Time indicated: 11:33
